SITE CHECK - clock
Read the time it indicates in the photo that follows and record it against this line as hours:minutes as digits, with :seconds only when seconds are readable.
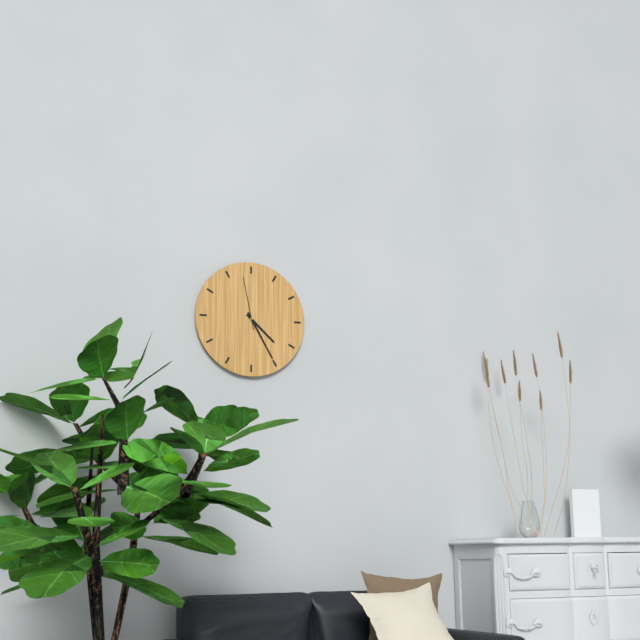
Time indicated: 4:25:58
